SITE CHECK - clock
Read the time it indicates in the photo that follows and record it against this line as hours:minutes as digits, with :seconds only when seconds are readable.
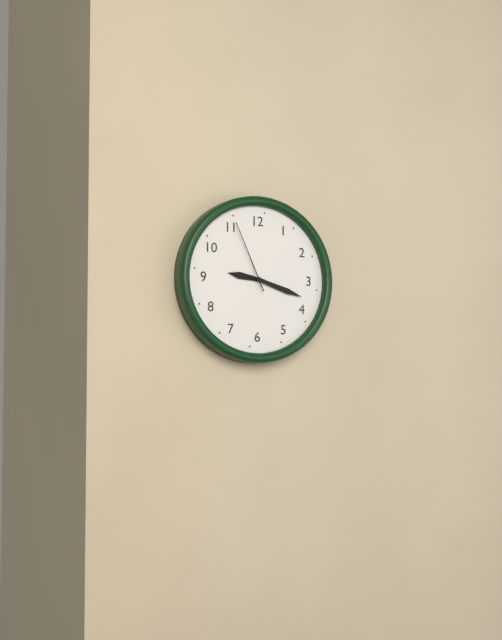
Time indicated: 9:18:56
